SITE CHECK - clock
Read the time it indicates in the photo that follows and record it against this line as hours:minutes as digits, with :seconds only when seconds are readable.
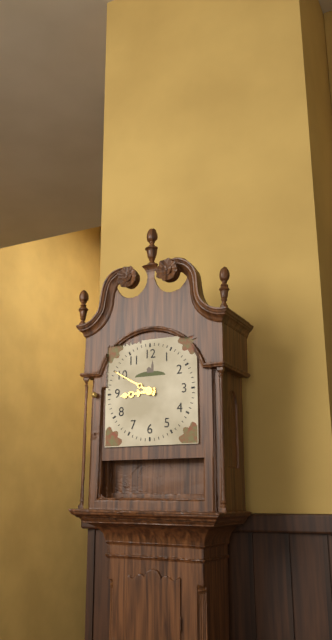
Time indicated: 8:50
